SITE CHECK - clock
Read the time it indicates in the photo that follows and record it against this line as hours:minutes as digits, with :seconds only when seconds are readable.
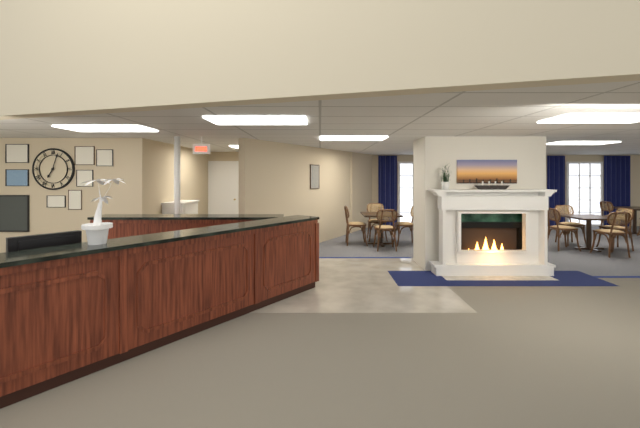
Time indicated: 7:03
